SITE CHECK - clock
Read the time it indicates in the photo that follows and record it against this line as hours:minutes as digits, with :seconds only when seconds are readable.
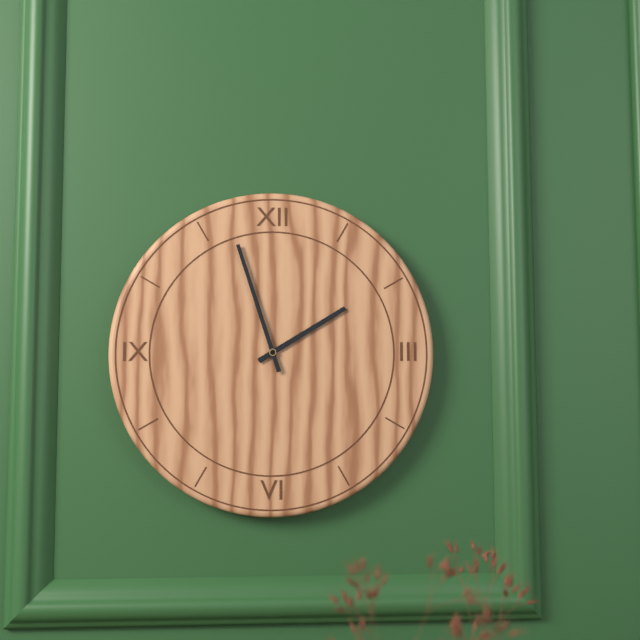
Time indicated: 1:57
